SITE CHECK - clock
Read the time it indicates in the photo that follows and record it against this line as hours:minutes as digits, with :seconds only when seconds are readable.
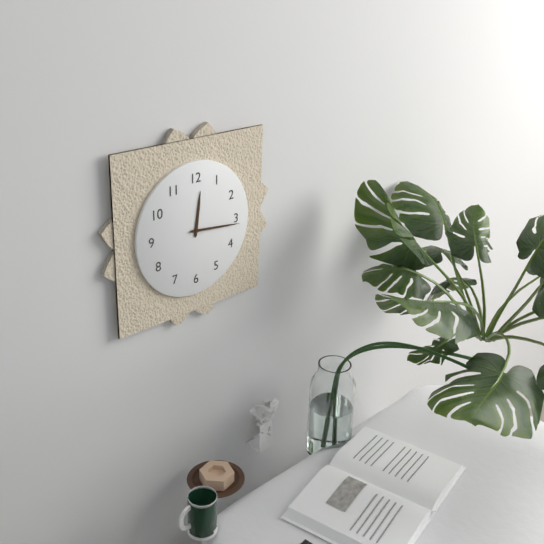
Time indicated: 12:16
